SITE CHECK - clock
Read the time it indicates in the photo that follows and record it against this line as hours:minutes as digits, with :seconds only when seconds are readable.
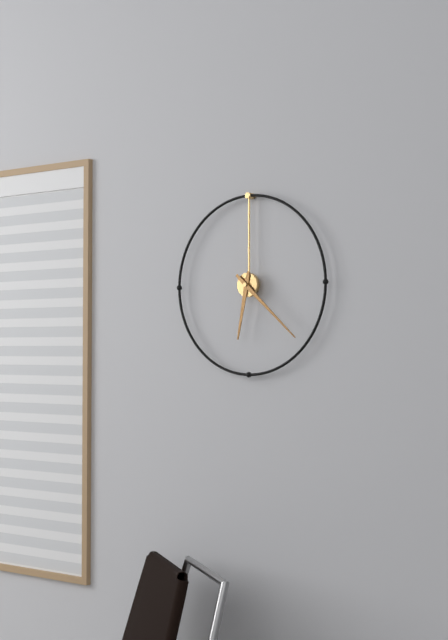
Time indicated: 6:22
